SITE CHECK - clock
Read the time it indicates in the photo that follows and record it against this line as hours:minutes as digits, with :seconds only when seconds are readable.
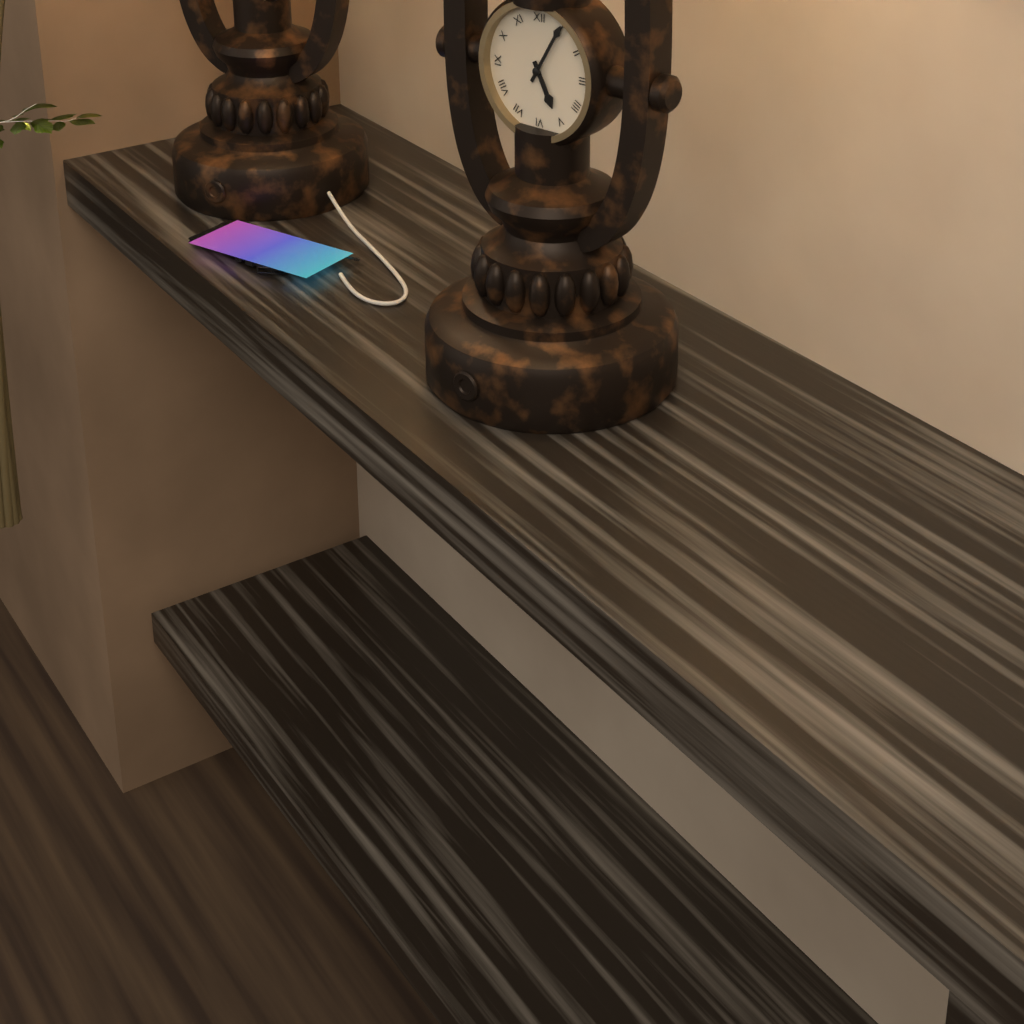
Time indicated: 5:05
